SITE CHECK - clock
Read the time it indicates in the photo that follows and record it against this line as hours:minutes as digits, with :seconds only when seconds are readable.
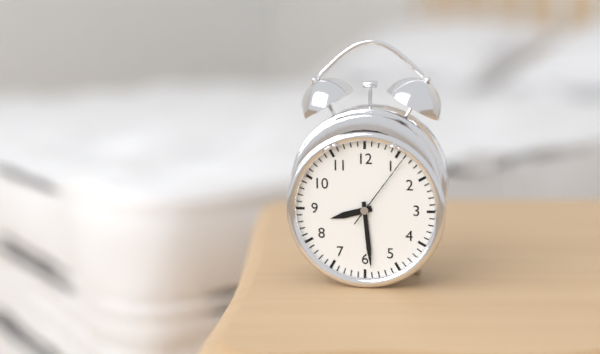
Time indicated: 8:29:06
